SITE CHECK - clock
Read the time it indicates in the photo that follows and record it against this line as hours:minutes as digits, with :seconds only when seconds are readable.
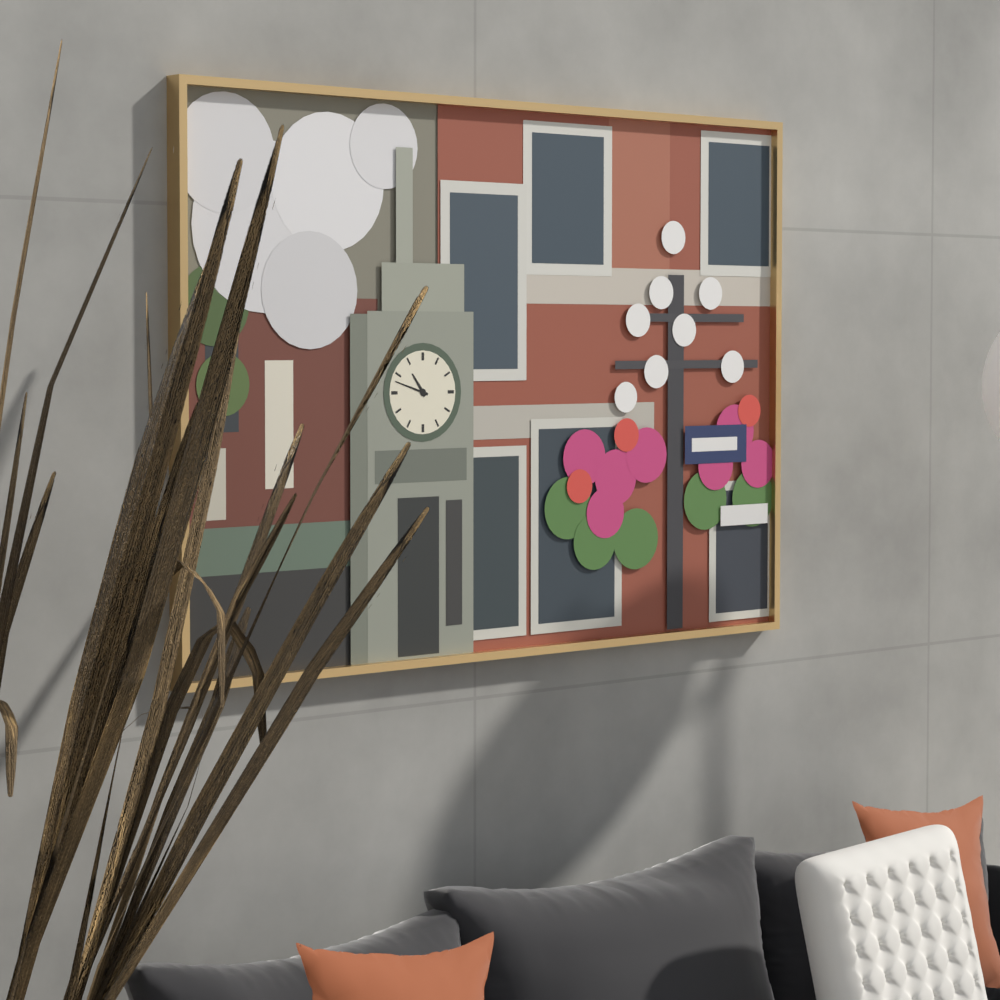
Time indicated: 10:48
